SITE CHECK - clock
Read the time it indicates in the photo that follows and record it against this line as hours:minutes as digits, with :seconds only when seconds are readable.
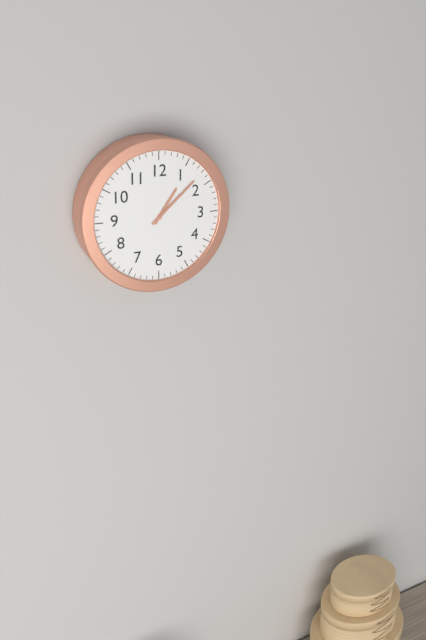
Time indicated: 1:08
